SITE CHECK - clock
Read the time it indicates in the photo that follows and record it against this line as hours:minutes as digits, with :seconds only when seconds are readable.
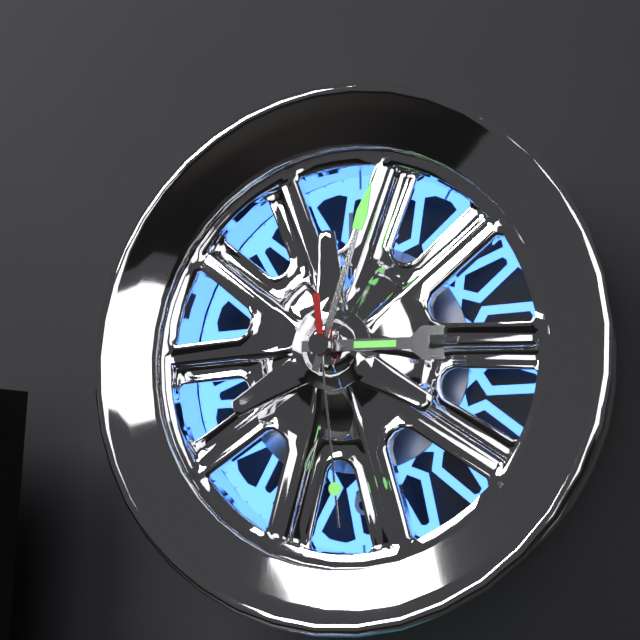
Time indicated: 3:03:29
